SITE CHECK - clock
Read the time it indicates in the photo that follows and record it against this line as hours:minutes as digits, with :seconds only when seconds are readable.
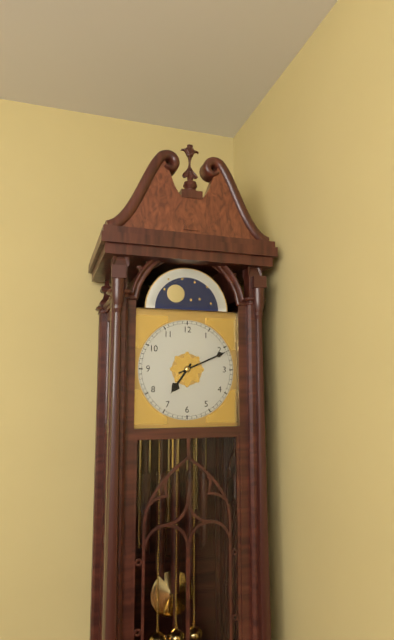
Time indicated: 7:11
